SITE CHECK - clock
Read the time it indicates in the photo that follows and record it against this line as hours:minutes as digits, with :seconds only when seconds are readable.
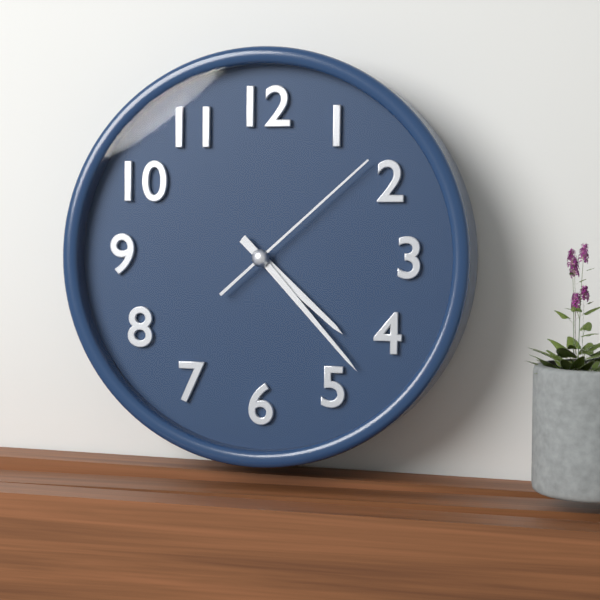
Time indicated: 4:23:08
